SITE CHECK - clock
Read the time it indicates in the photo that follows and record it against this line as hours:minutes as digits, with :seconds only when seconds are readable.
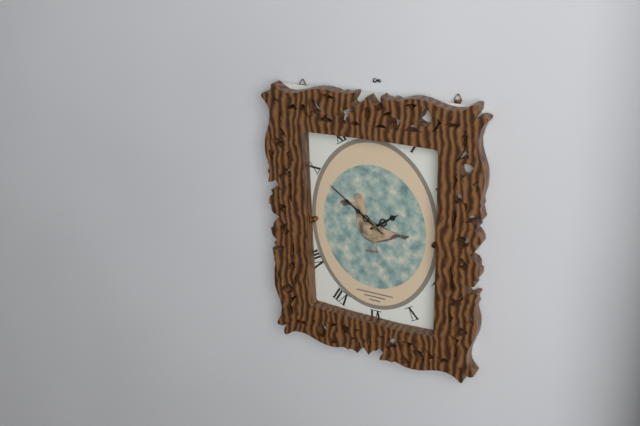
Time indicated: 1:51
